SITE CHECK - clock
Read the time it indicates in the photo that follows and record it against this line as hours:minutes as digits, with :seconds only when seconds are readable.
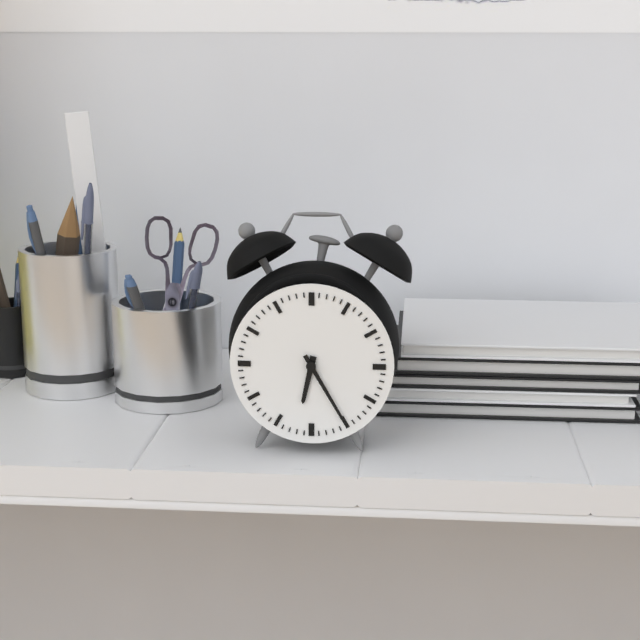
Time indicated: 6:25
